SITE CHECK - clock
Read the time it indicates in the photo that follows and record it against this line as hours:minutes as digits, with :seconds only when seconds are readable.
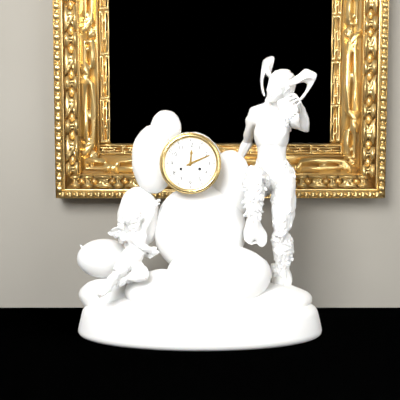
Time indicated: 12:11
